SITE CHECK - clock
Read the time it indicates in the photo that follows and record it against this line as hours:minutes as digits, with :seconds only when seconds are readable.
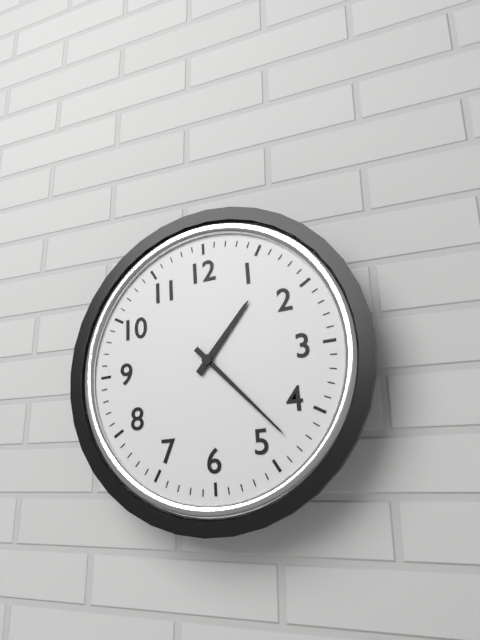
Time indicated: 1:23
